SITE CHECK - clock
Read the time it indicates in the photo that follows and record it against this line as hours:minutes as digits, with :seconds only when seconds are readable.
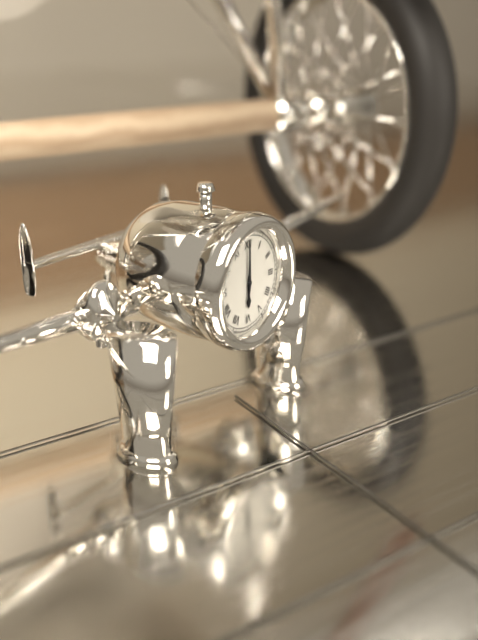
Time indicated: 6:00
